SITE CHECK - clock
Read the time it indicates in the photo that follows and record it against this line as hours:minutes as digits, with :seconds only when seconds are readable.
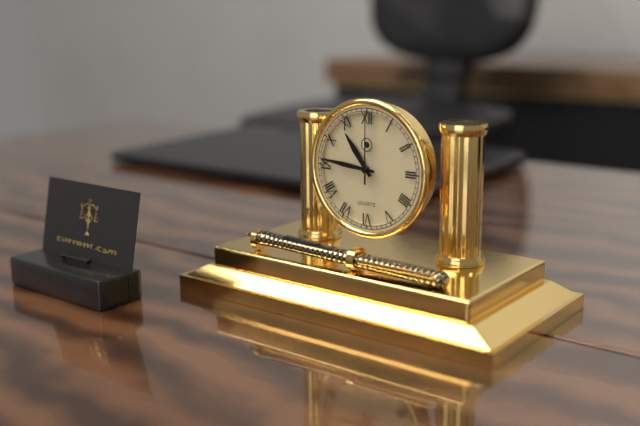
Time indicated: 10:46:00
